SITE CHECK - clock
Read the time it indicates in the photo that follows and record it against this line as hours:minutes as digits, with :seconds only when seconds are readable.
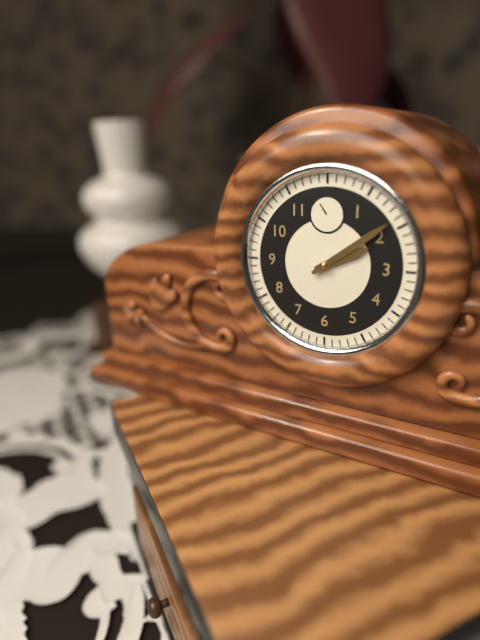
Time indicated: 2:09
